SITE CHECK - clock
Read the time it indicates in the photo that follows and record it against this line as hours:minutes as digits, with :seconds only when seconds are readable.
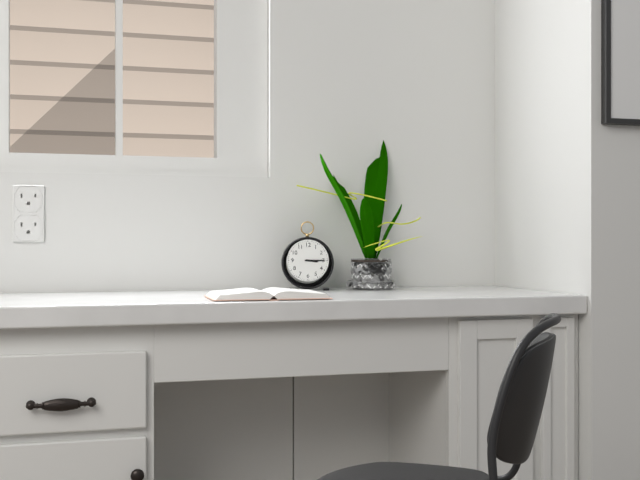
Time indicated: 3:15
